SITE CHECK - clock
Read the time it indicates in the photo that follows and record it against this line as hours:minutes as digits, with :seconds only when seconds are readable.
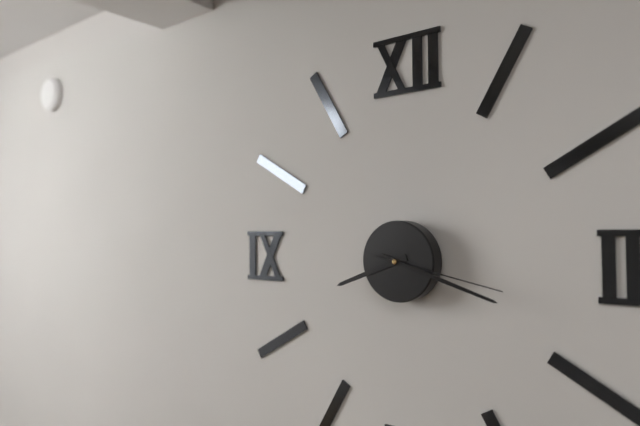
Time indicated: 8:18:17
